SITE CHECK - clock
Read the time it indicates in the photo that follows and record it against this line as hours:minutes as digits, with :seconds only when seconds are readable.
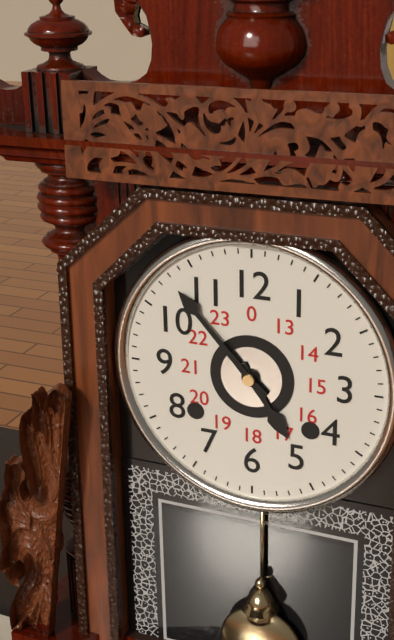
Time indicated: 4:53
